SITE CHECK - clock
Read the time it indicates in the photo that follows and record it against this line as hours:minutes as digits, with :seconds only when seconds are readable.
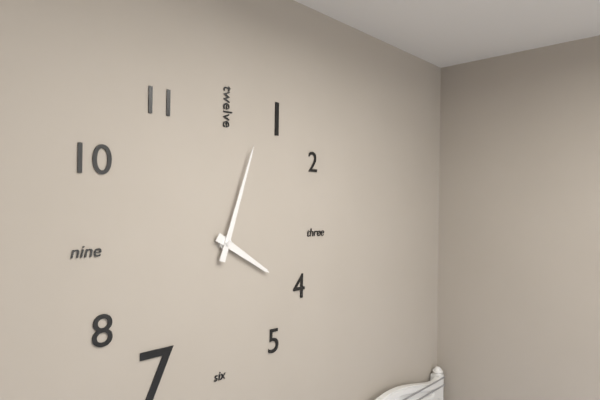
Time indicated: 4:03
